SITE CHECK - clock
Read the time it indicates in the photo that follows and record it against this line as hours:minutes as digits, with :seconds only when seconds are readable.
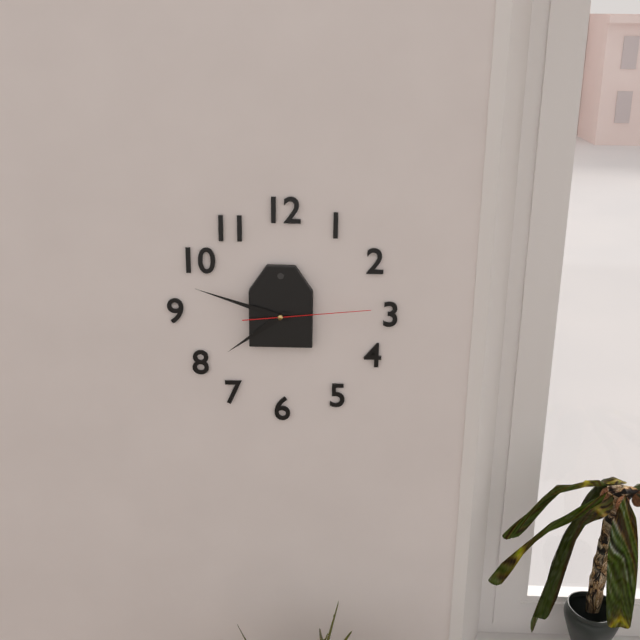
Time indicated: 7:48:14
